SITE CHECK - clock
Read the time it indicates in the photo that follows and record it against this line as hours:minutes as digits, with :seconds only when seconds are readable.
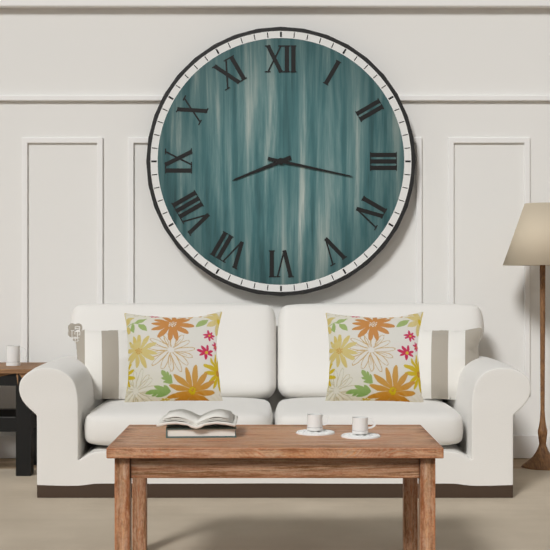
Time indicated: 8:17
